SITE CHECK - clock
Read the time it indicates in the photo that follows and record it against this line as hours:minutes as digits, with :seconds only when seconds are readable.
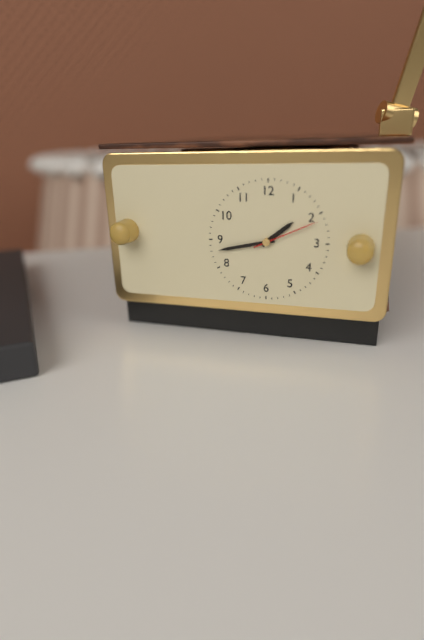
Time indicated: 1:43:11
